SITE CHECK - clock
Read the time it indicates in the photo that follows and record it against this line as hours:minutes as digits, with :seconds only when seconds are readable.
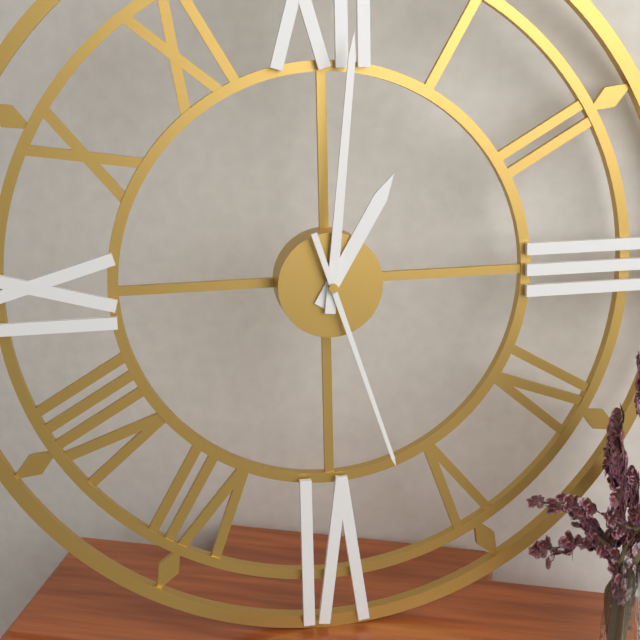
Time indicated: 1:01:27
